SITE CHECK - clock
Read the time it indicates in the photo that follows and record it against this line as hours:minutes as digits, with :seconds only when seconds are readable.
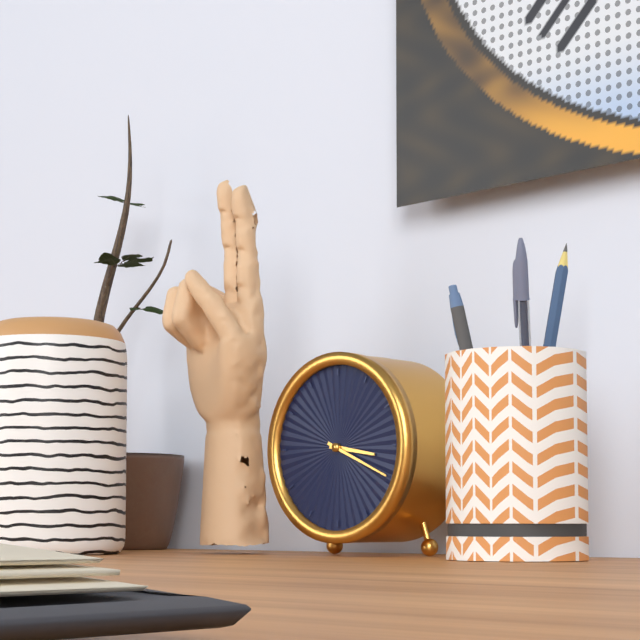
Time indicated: 3:19
